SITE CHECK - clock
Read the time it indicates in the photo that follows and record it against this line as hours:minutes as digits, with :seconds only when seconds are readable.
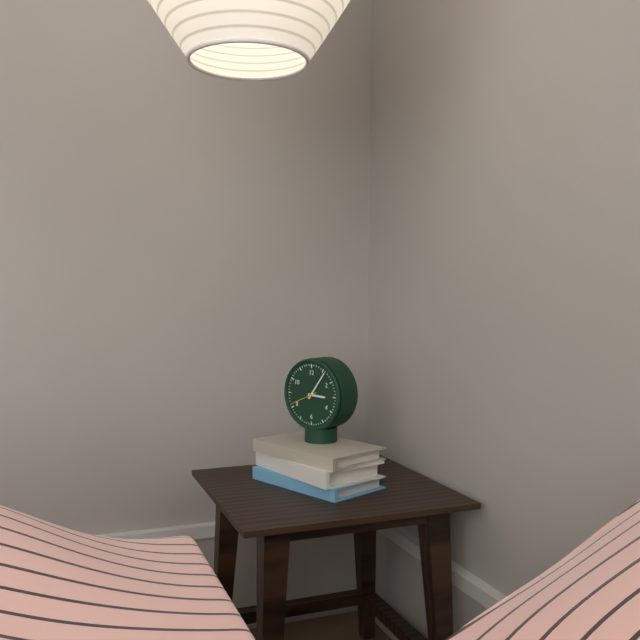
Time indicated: 3:06
